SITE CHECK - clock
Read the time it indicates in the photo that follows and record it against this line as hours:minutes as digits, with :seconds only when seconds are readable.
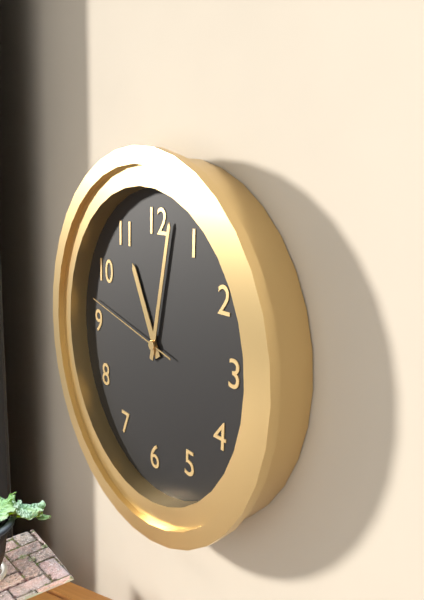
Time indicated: 11:02:47
